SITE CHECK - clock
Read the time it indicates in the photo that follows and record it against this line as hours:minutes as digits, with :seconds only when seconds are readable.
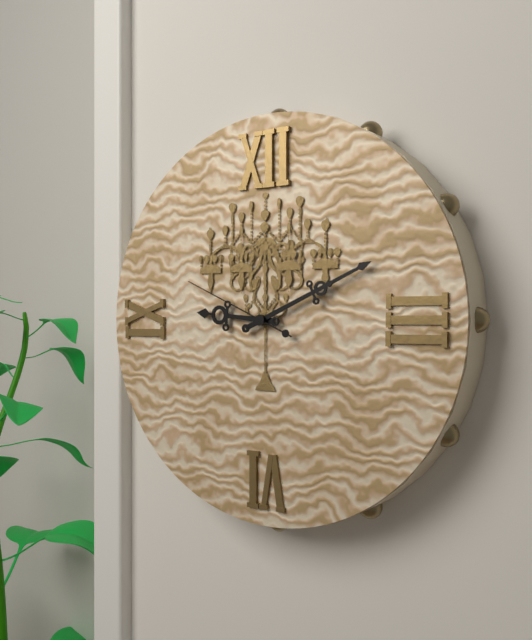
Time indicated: 9:11:49
